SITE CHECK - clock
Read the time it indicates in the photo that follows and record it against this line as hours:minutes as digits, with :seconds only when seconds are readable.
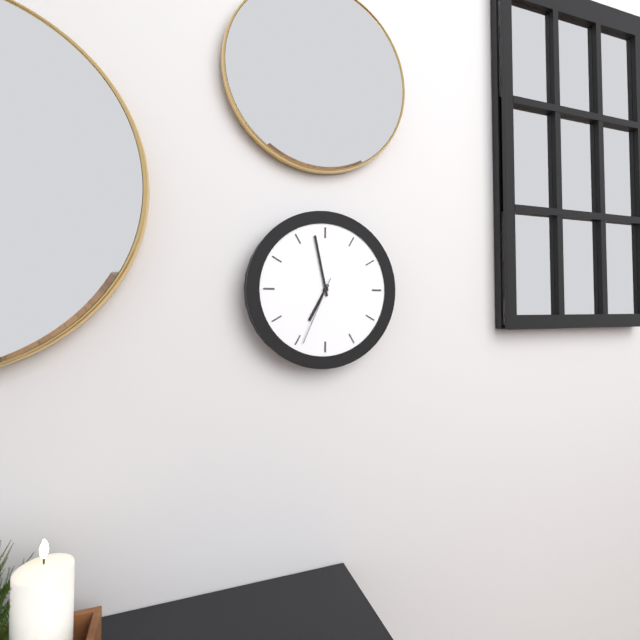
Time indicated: 6:58:34
